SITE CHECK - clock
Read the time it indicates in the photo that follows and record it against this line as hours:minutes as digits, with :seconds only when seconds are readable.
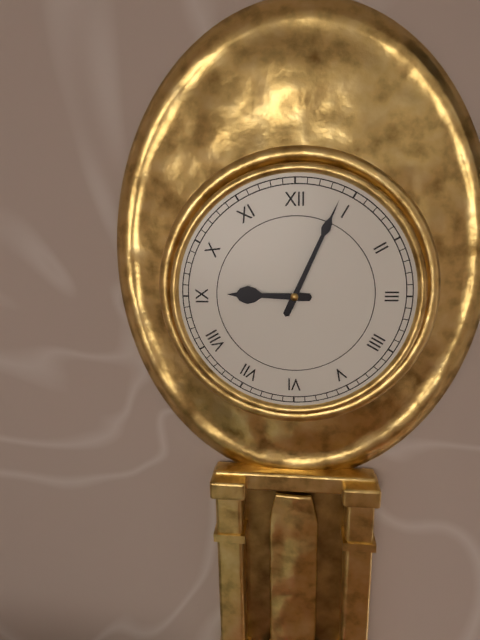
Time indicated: 9:04
